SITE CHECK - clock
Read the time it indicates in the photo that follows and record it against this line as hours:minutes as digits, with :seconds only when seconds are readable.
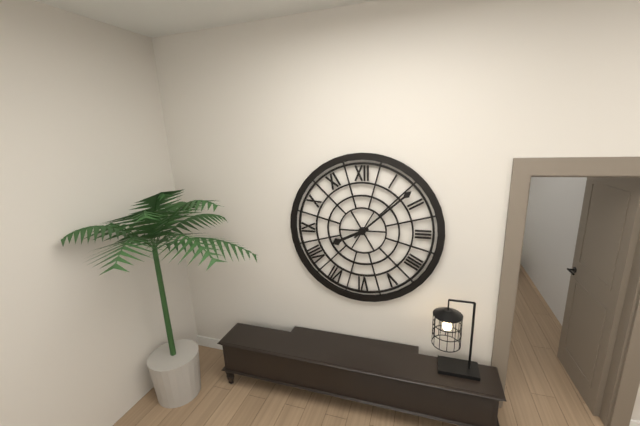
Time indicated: 8:08
